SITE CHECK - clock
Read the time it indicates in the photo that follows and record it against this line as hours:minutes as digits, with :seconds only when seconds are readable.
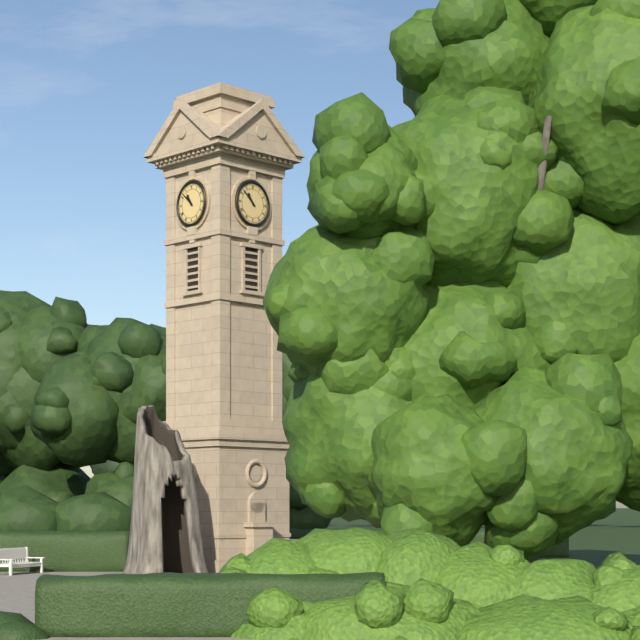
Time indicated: 10:52
